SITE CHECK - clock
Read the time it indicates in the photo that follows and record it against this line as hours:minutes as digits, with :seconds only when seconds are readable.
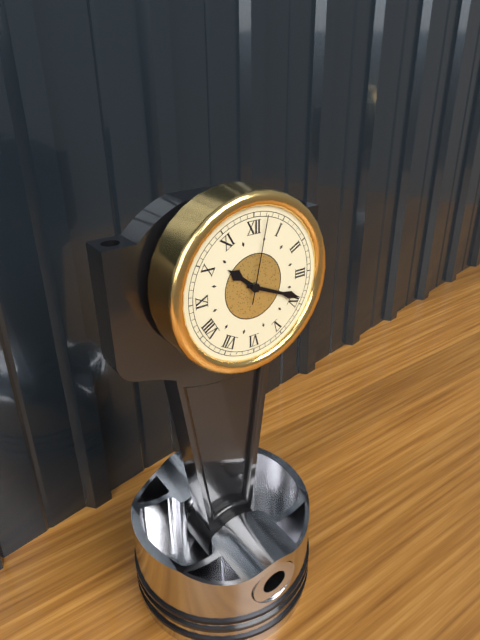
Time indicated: 10:19:02
